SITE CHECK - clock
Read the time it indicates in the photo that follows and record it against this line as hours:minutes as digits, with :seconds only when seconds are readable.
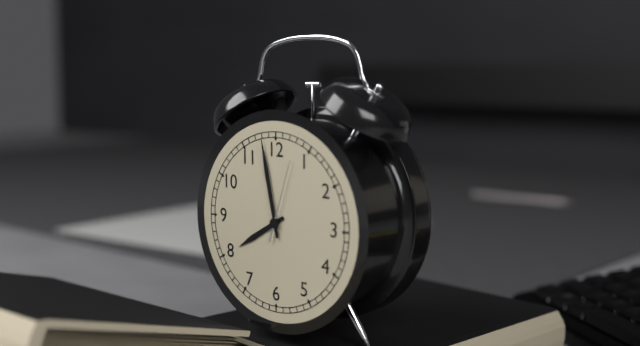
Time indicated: 7:58:03
